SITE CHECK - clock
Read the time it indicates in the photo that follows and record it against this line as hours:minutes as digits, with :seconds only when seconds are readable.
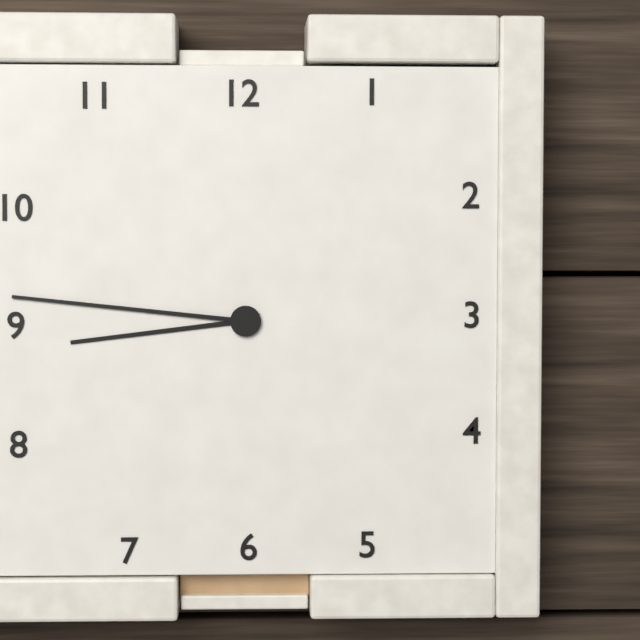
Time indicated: 8:46
